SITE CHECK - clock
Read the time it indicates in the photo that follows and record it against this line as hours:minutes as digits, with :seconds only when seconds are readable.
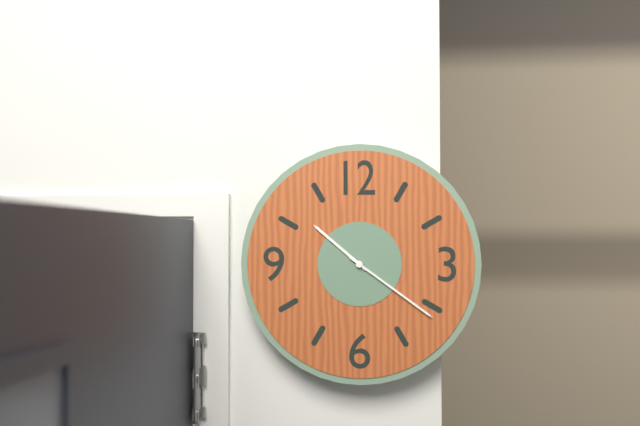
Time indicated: 10:21
